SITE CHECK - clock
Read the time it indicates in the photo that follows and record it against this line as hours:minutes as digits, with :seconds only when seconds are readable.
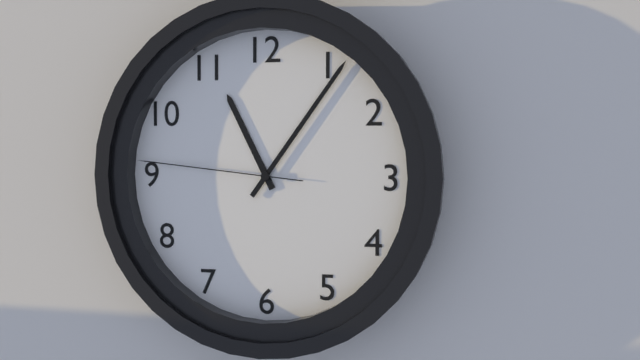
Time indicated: 11:06:46
